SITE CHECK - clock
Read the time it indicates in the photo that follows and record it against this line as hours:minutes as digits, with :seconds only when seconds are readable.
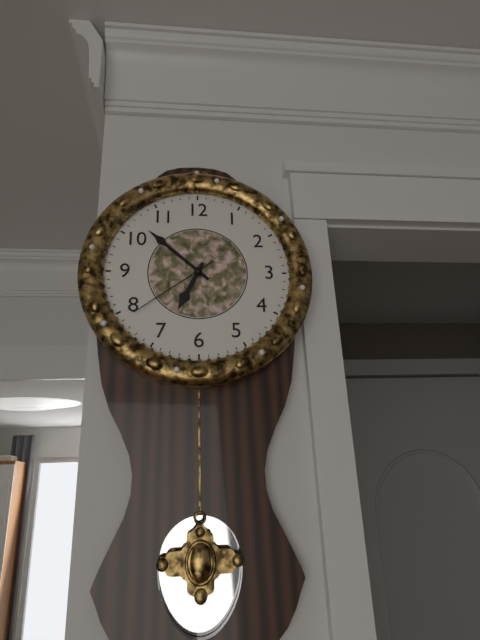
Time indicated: 6:52:39
